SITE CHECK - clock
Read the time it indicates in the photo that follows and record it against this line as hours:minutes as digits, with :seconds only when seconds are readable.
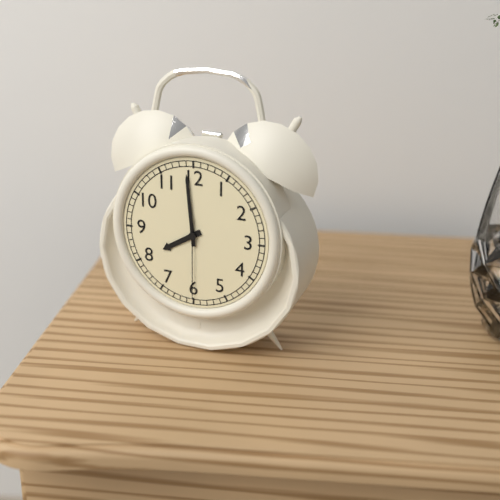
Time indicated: 7:59:30
